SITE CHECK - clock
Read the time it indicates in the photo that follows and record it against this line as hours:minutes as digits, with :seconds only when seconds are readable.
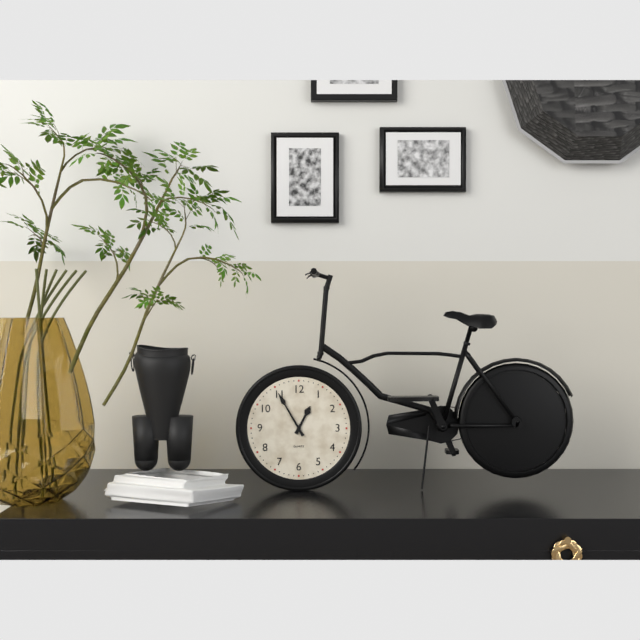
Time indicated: 12:55
